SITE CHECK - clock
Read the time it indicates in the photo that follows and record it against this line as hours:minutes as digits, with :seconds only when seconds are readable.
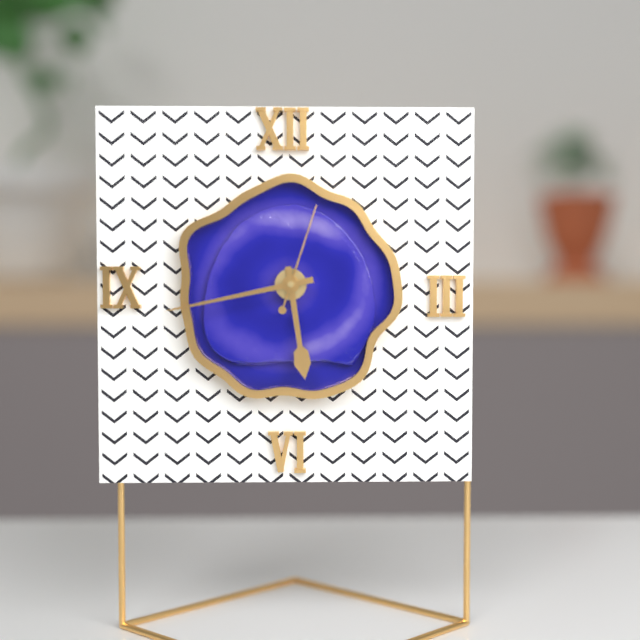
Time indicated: 5:43:03
